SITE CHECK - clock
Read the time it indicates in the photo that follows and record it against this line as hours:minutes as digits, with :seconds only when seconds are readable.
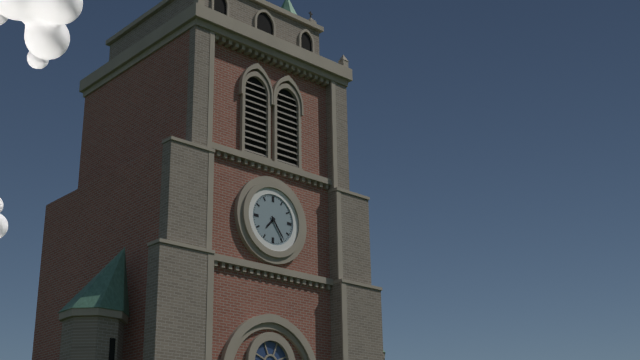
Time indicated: 7:24
